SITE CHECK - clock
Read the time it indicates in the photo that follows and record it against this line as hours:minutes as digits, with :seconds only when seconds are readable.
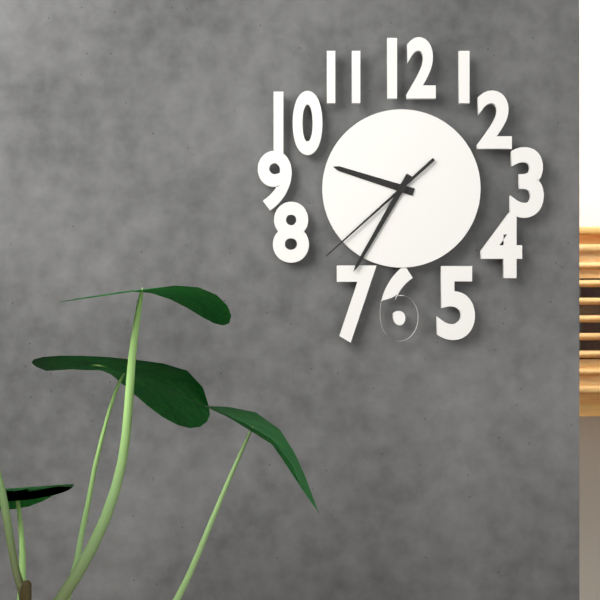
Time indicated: 9:35:38
